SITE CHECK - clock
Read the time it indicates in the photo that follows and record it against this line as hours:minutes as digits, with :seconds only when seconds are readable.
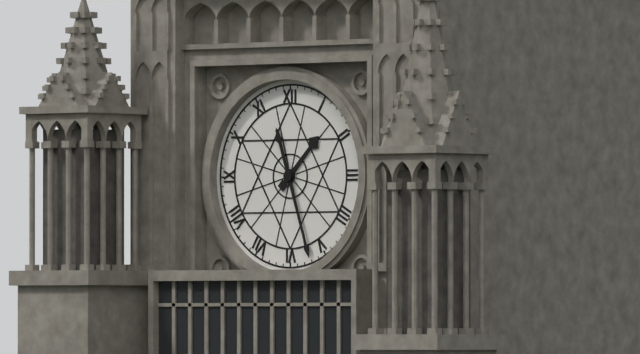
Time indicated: 1:27
